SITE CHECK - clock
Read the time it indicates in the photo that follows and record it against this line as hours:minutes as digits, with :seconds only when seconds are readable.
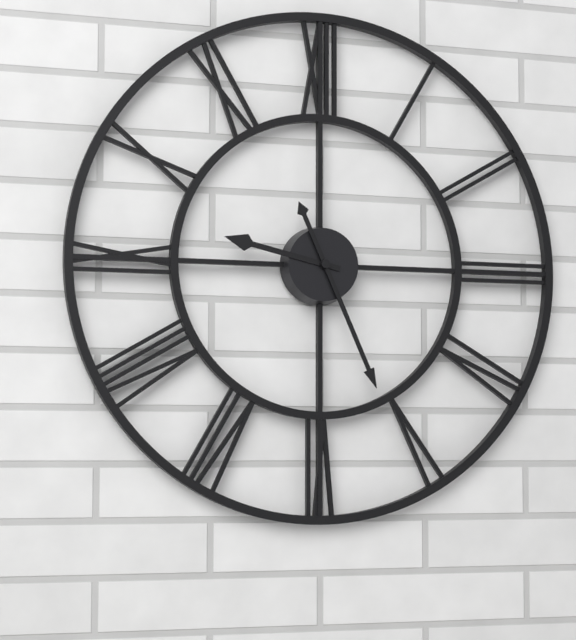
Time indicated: 9:26
